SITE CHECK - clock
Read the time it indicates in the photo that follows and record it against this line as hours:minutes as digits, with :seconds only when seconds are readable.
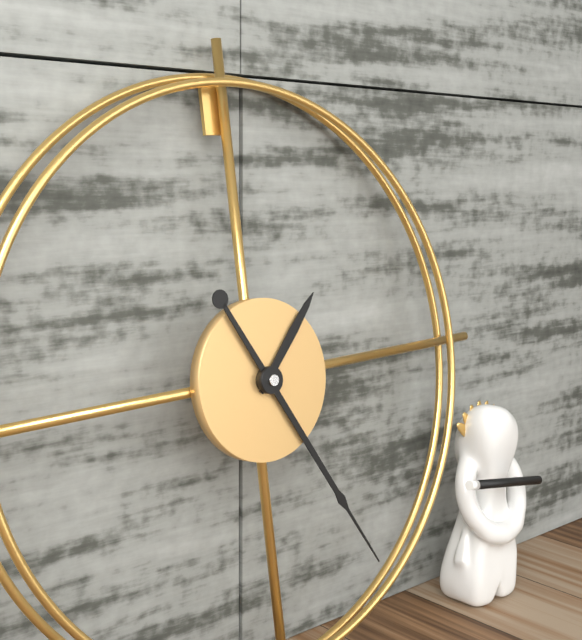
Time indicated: 1:25
